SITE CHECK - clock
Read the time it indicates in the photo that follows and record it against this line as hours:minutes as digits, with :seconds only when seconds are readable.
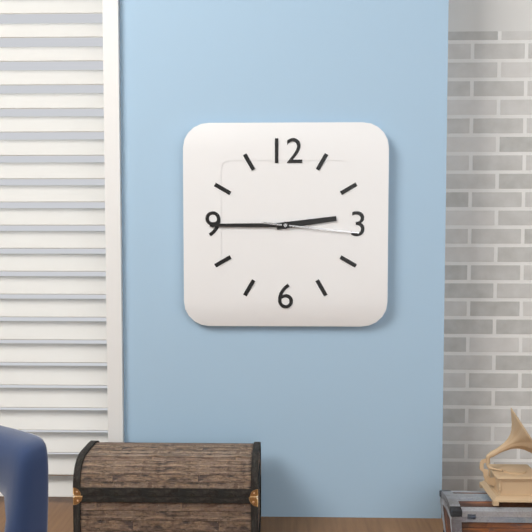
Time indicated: 2:45:16
